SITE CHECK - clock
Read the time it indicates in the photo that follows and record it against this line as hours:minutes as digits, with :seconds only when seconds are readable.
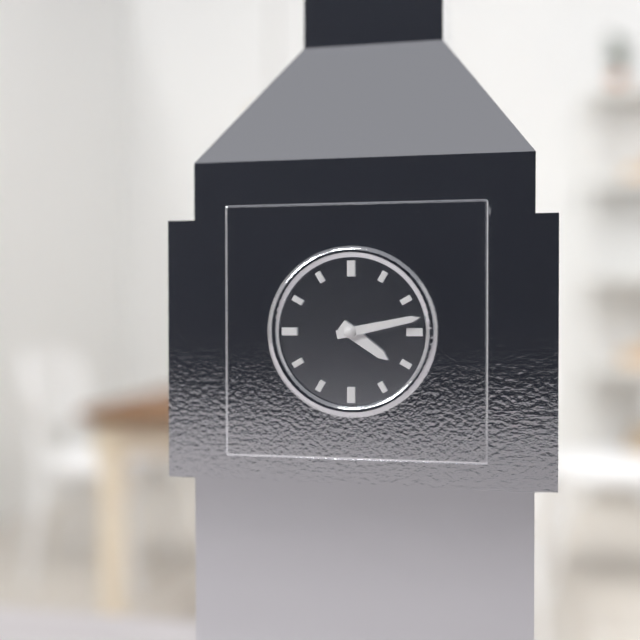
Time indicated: 4:13
